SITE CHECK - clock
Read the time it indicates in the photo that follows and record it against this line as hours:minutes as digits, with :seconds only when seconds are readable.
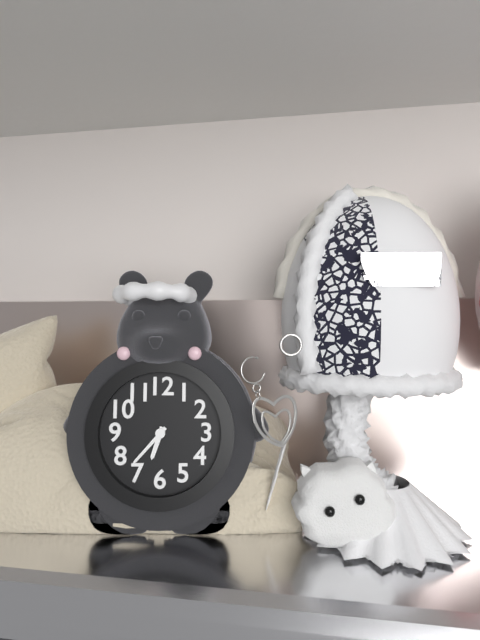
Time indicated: 6:37
